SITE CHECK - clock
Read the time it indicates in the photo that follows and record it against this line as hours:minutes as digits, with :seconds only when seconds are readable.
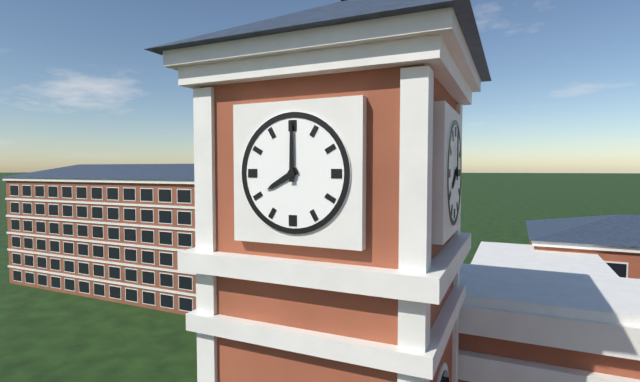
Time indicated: 8:00
